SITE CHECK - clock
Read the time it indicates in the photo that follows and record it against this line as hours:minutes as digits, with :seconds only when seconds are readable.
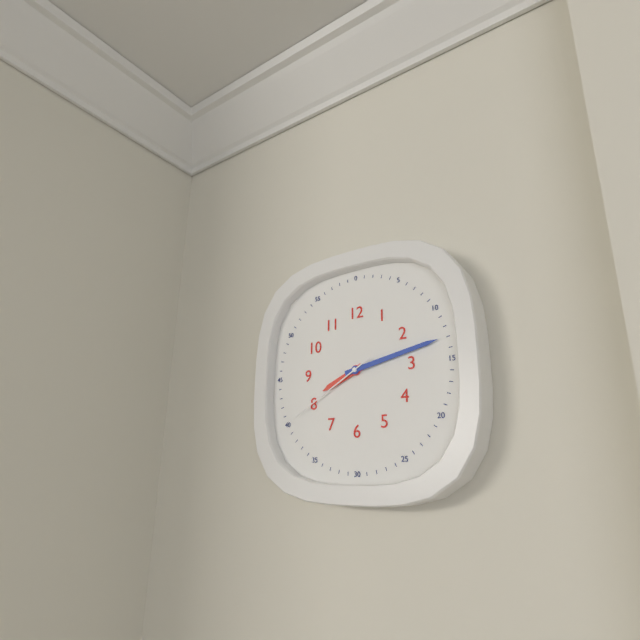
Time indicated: 8:13:40
